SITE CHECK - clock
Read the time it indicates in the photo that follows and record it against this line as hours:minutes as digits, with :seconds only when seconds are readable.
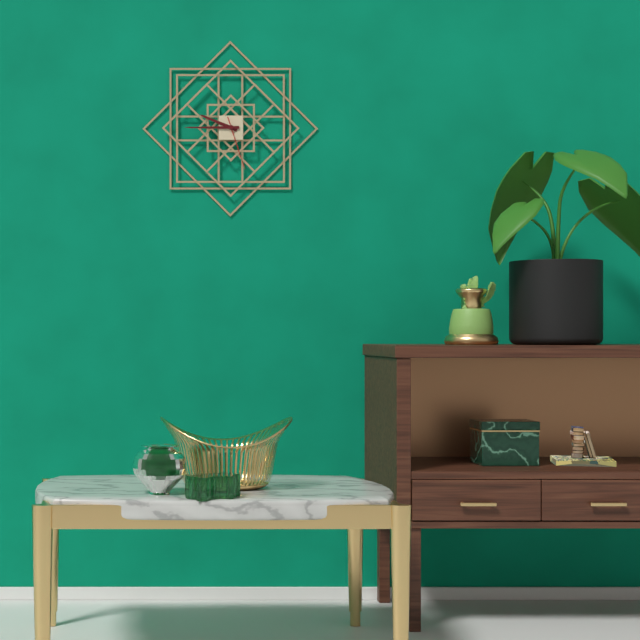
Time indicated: 9:45:27
